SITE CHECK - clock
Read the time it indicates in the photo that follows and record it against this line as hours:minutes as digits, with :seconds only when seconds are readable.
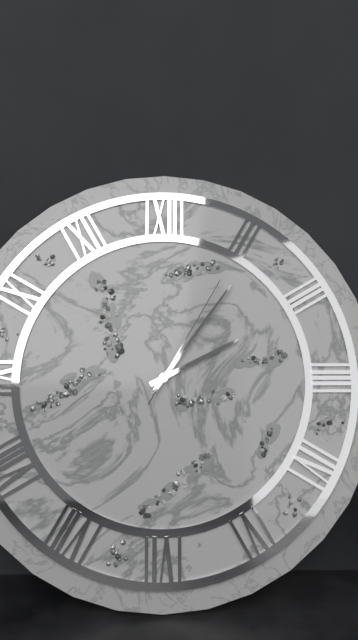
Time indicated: 2:06:05
